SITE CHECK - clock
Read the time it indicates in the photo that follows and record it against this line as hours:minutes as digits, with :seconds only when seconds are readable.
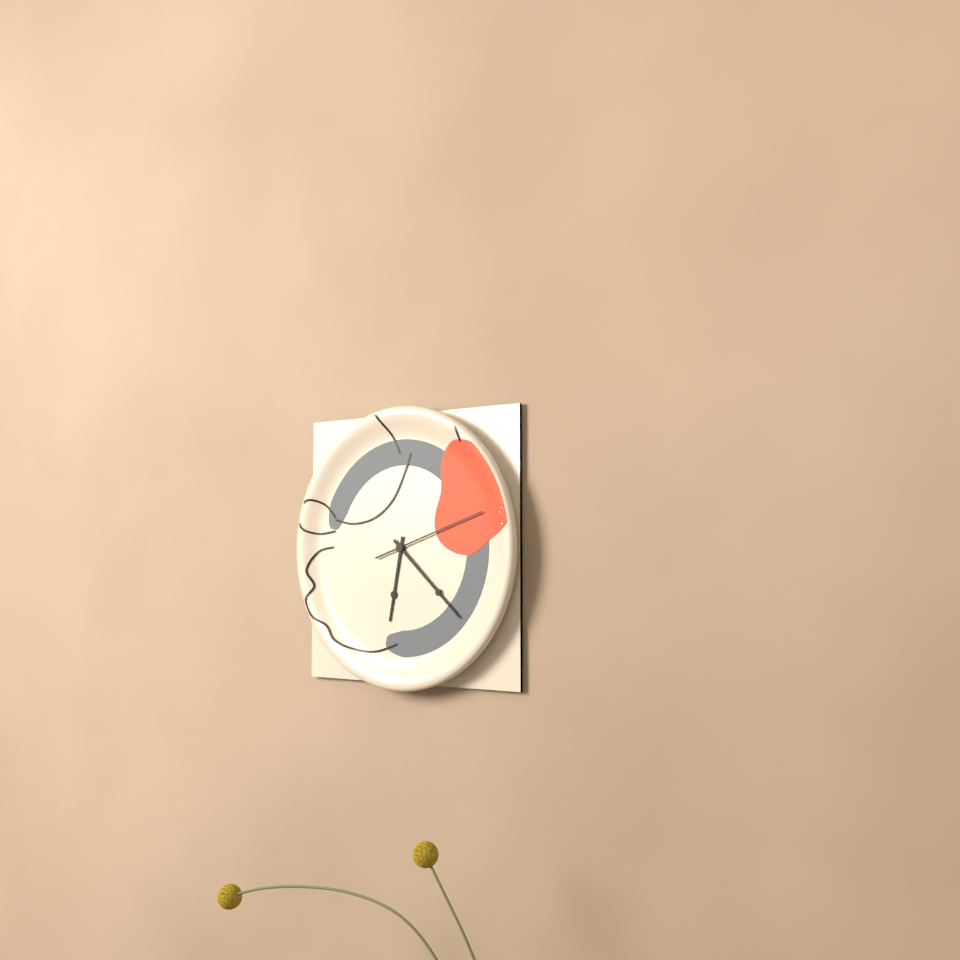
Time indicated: 6:22:12
